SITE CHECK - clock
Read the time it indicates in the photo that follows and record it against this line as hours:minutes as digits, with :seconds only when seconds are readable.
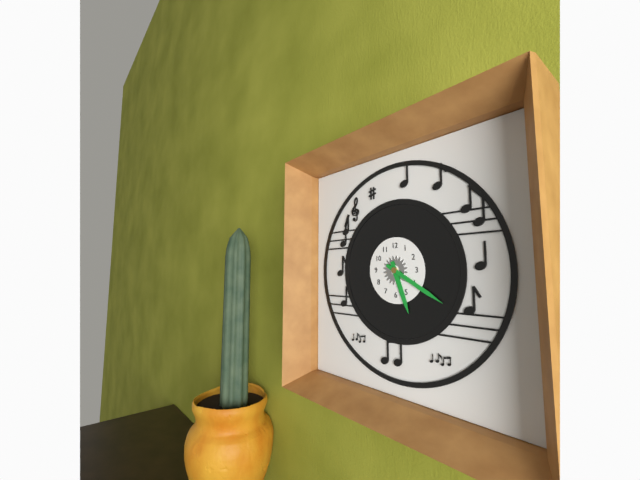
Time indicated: 5:20
